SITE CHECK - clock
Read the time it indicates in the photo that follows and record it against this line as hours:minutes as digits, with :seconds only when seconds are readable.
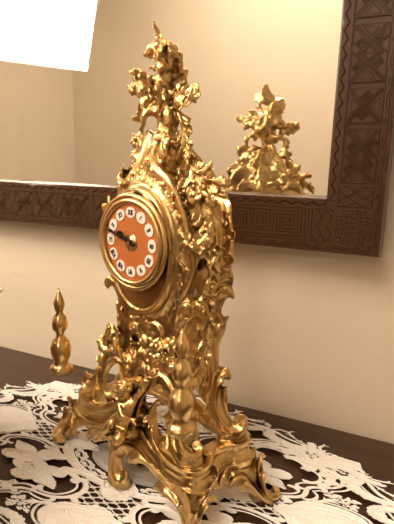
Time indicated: 9:48
